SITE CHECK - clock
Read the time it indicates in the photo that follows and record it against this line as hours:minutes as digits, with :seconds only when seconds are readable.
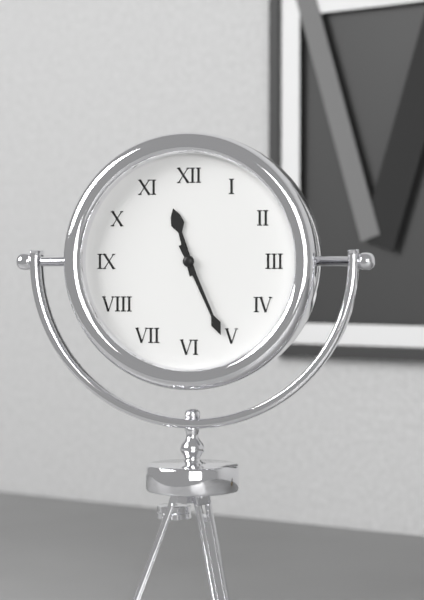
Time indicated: 11:26
